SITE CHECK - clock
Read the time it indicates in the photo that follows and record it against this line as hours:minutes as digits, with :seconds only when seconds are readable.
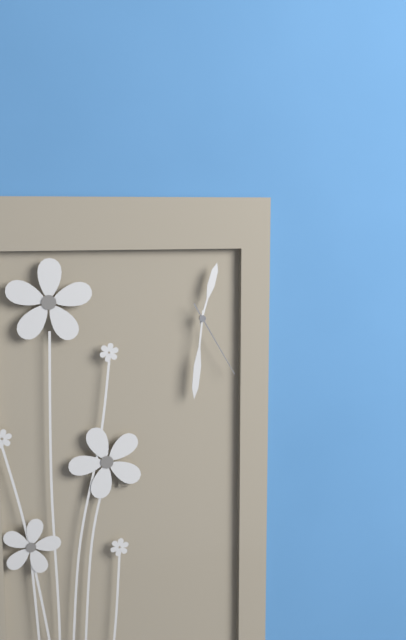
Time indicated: 12:31:25
